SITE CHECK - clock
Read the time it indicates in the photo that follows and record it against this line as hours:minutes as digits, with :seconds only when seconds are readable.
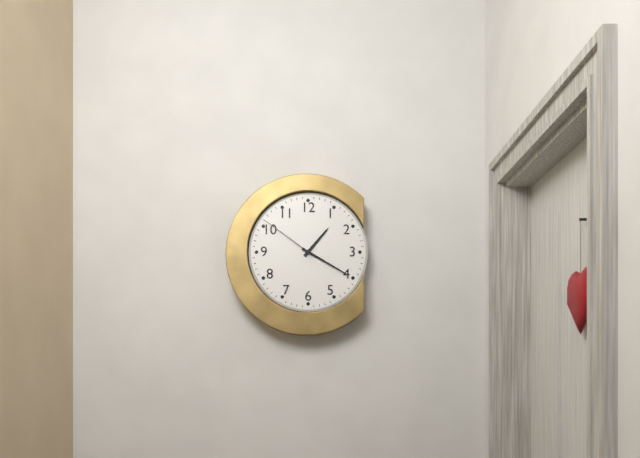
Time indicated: 1:20:51
